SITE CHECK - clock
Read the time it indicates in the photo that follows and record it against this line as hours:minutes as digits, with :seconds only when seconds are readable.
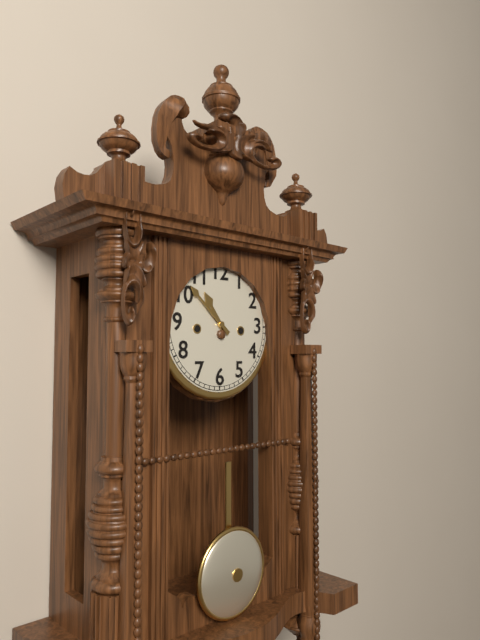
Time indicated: 10:52
